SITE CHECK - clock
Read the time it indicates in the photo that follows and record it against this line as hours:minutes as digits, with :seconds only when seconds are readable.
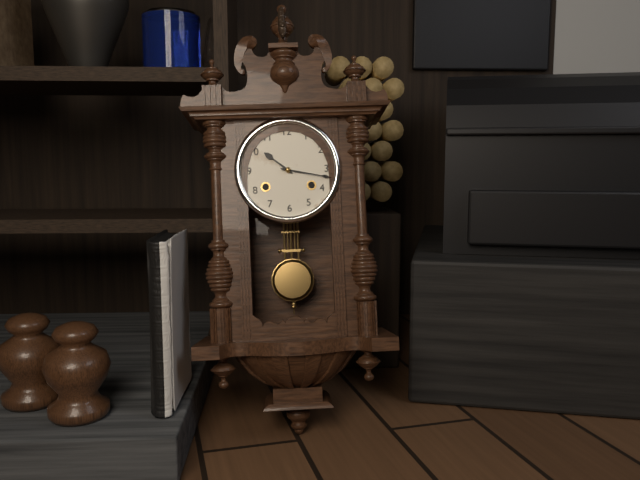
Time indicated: 10:17
